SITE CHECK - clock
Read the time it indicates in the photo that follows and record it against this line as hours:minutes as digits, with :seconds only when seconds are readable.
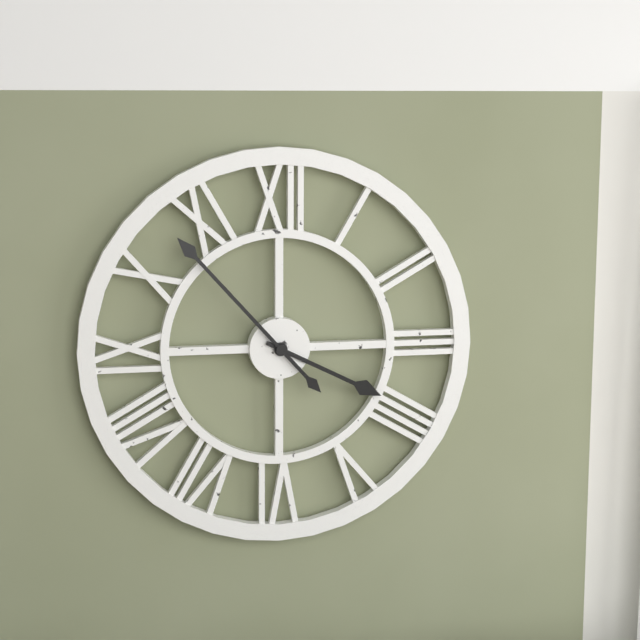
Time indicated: 3:53
